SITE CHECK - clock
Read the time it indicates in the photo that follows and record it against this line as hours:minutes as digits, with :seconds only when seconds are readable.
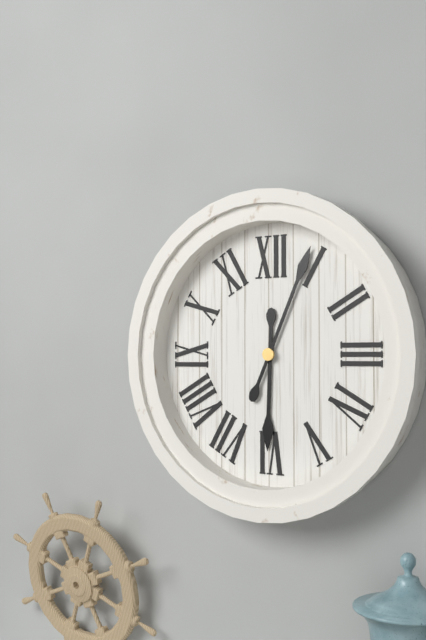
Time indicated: 6:04
